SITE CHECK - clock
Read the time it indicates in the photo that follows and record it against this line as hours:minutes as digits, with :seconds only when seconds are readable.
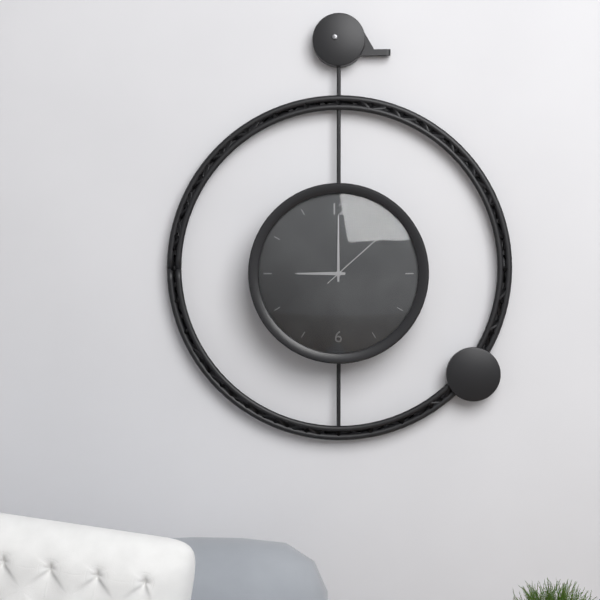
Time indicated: 9:00:08
